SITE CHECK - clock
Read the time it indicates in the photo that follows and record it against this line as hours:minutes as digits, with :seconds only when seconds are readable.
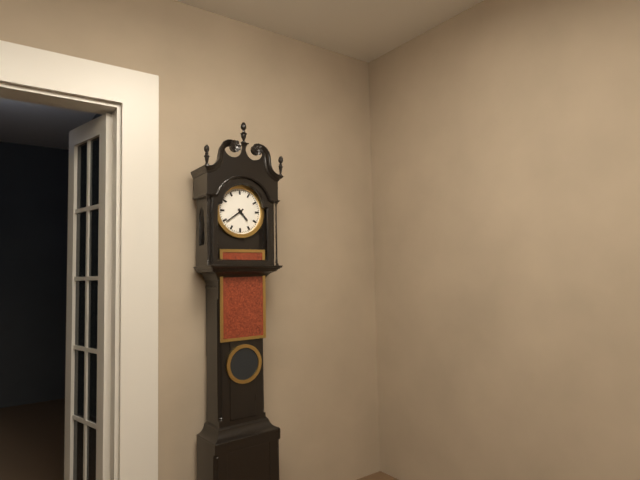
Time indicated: 4:39
